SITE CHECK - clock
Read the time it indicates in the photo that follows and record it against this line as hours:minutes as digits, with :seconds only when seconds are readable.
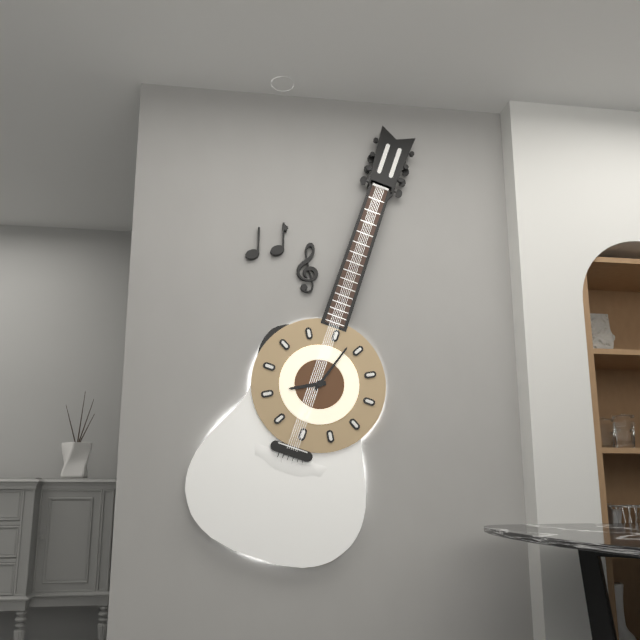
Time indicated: 8:03
